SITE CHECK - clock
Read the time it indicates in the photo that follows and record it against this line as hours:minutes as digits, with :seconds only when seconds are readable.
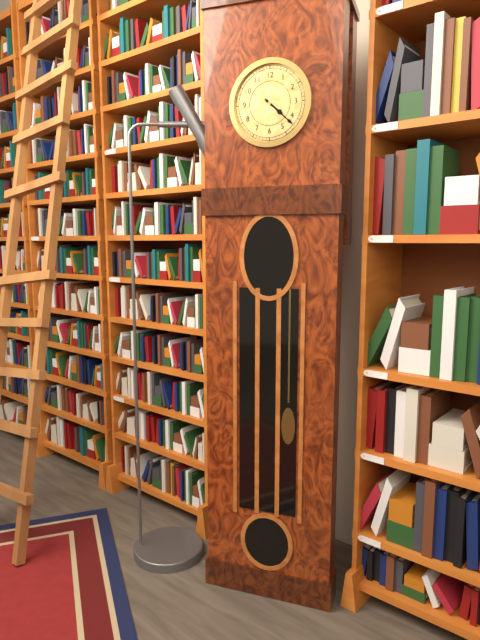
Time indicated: 4:22
